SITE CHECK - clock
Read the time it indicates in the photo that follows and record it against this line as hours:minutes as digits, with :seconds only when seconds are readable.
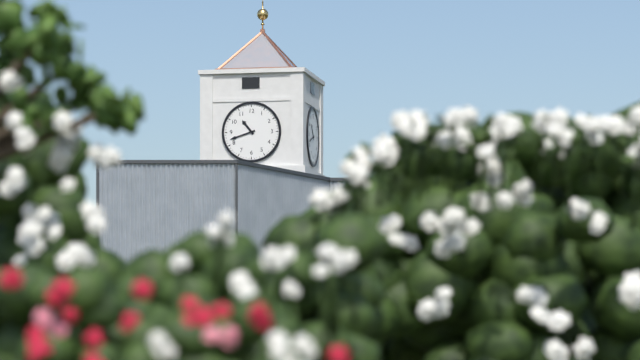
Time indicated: 10:42
